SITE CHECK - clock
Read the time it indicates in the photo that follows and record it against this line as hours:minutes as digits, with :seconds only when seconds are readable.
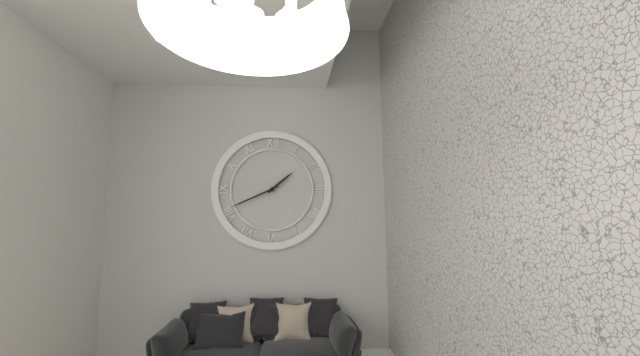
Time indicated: 1:41
